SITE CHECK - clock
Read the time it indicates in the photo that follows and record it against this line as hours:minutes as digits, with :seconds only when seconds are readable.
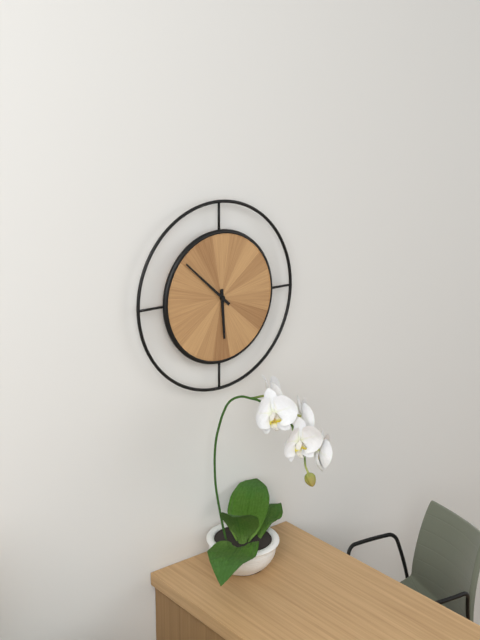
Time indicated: 5:52
